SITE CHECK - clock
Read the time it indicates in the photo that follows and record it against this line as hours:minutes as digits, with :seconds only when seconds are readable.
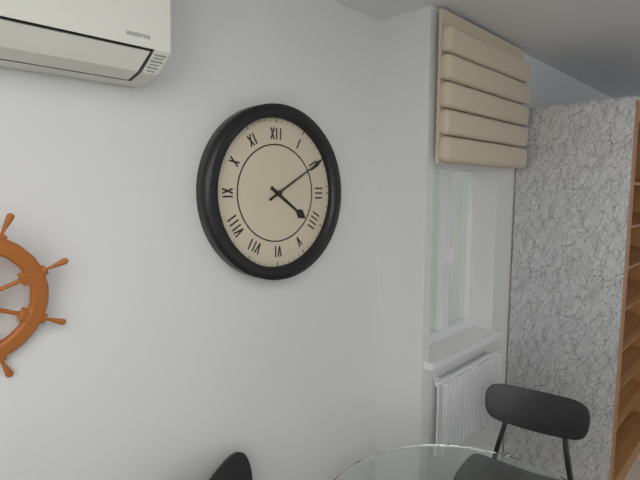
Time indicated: 4:10
